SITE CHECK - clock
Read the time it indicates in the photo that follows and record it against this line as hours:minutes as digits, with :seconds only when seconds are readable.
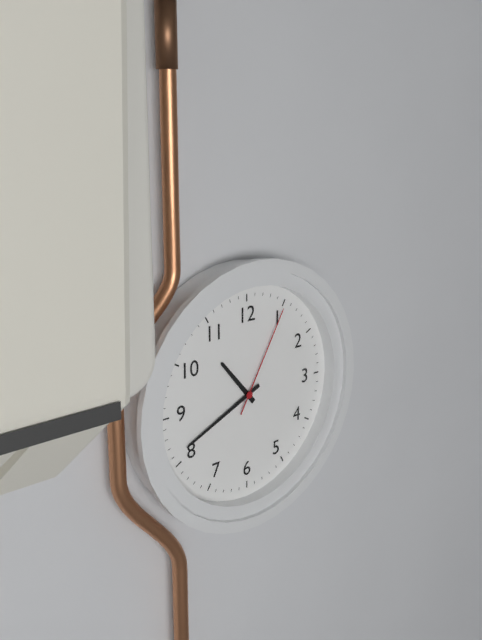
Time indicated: 10:41:05
